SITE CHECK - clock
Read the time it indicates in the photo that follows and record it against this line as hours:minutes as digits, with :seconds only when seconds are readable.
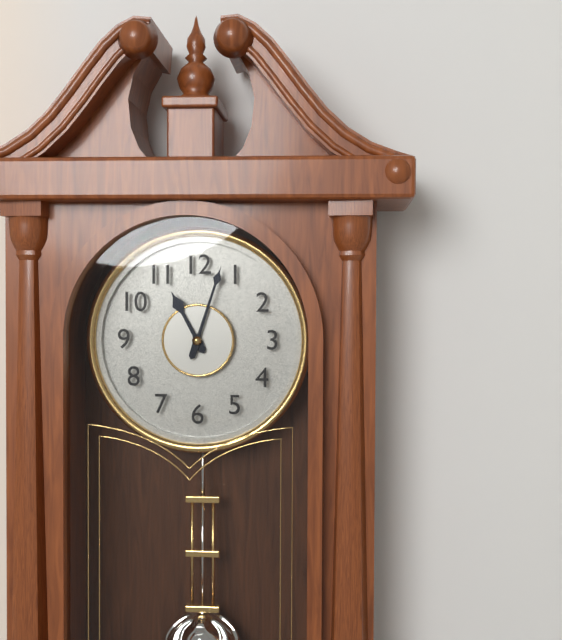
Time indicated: 11:03
